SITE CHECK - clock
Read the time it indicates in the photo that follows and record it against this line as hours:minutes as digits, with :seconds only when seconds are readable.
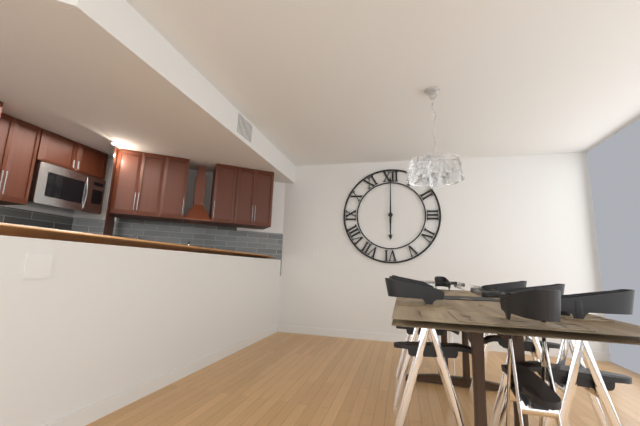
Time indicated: 6:00
